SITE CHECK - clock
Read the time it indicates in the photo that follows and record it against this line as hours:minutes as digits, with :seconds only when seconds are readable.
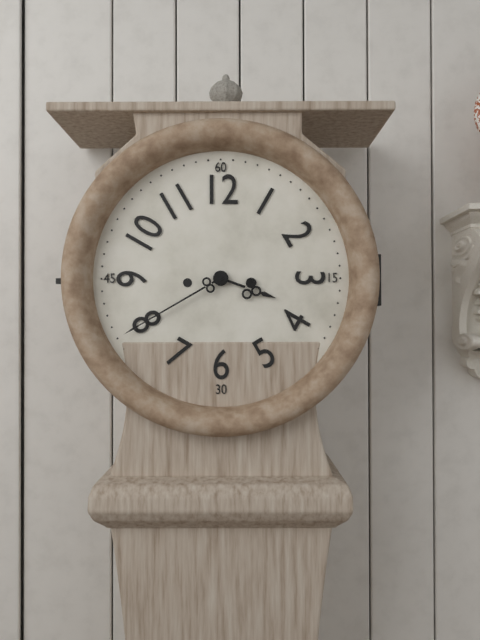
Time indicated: 3:40
